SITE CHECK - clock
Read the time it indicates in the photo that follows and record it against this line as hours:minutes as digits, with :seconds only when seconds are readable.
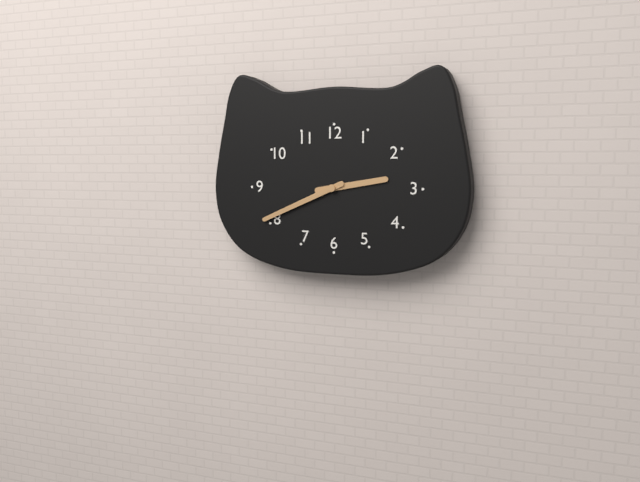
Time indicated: 2:41
